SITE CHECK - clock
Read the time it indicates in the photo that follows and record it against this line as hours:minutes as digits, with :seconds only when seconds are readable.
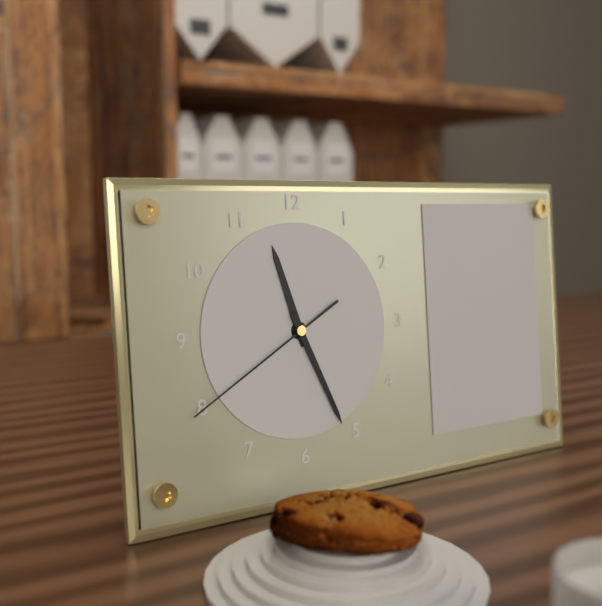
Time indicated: 11:26:40
